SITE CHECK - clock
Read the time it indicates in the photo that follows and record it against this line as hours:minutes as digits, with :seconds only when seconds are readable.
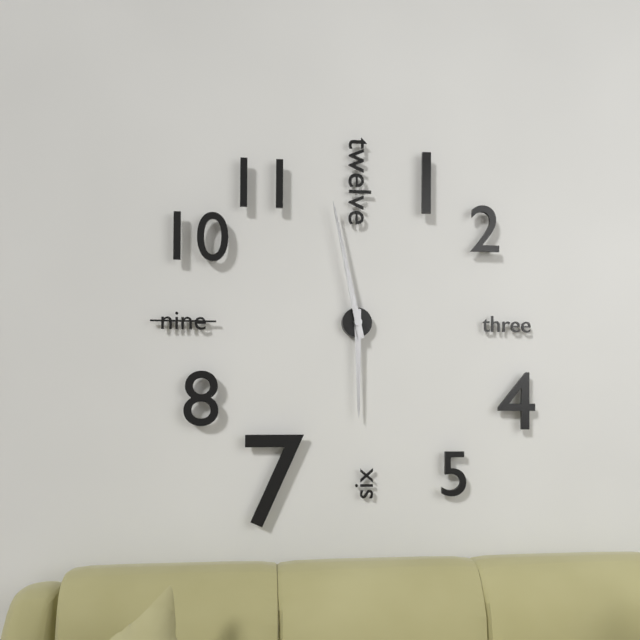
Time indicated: 5:58
